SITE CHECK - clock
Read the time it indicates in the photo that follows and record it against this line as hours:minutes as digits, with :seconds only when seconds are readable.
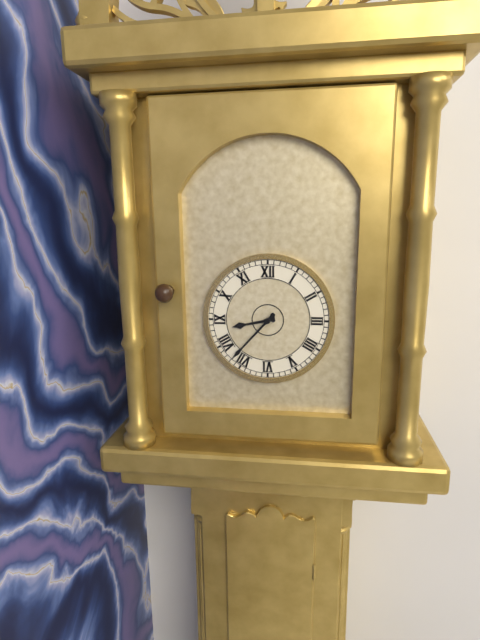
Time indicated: 8:37
